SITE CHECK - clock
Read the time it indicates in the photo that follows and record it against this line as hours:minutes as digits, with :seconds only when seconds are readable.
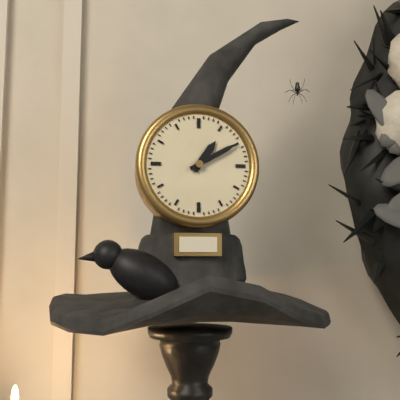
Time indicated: 1:10
